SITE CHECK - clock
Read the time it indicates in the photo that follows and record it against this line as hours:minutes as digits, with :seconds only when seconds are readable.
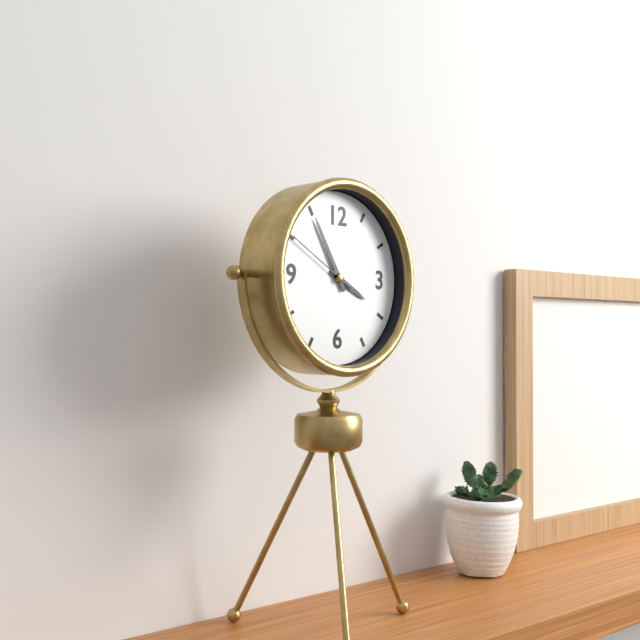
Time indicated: 3:55:50
